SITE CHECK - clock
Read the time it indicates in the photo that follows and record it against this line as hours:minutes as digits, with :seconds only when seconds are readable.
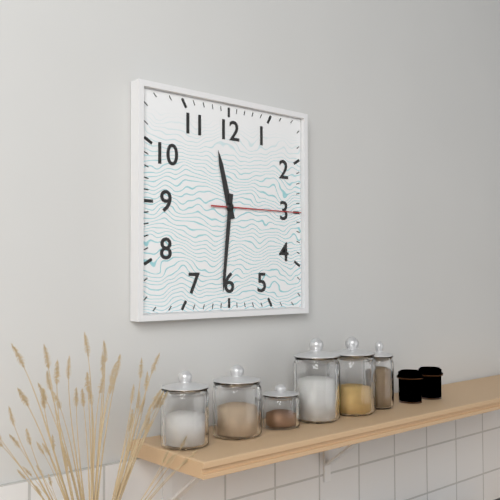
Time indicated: 11:31:15
